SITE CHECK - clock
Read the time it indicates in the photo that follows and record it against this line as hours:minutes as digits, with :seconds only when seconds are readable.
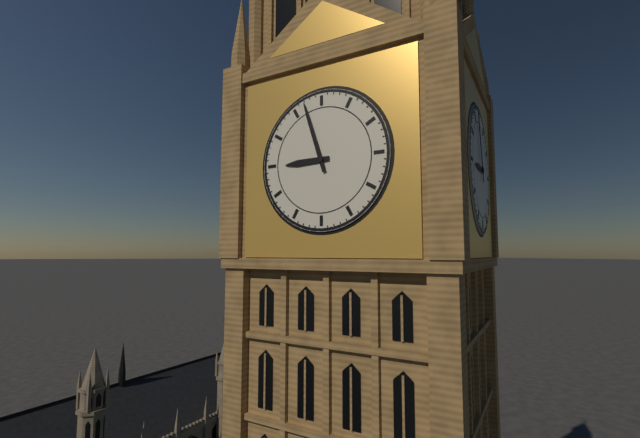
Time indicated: 8:57
